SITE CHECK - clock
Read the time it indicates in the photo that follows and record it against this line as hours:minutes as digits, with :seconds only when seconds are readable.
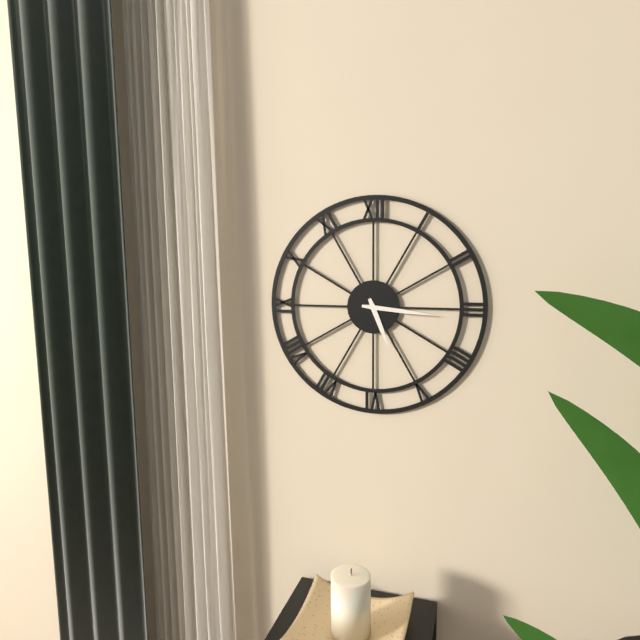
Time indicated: 5:16
